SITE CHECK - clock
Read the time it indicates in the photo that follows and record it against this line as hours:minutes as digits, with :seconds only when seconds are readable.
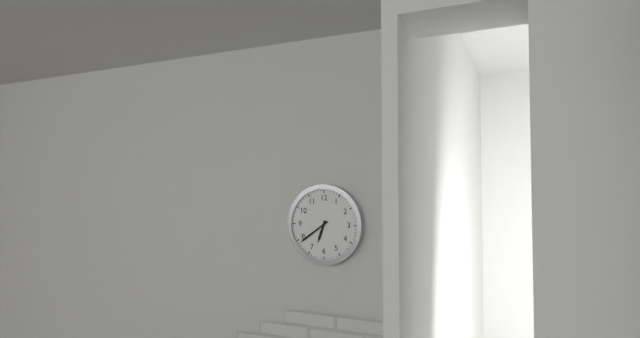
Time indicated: 6:39
